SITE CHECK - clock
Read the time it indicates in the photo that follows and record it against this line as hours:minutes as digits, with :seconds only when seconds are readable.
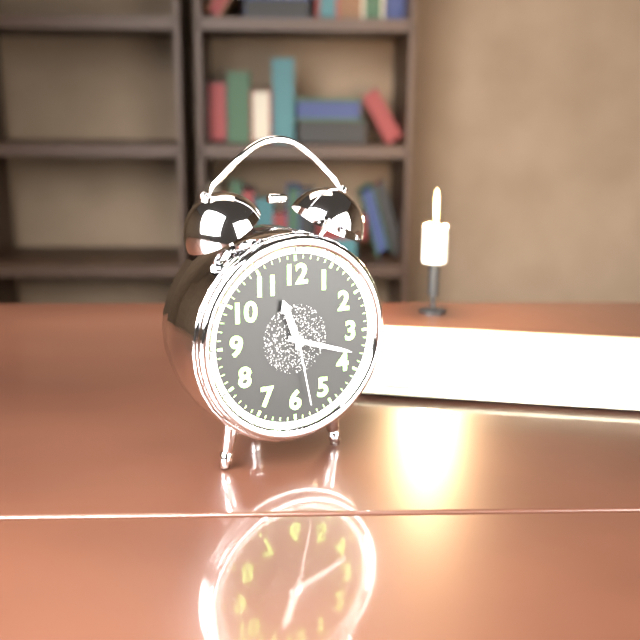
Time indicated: 11:18:28
